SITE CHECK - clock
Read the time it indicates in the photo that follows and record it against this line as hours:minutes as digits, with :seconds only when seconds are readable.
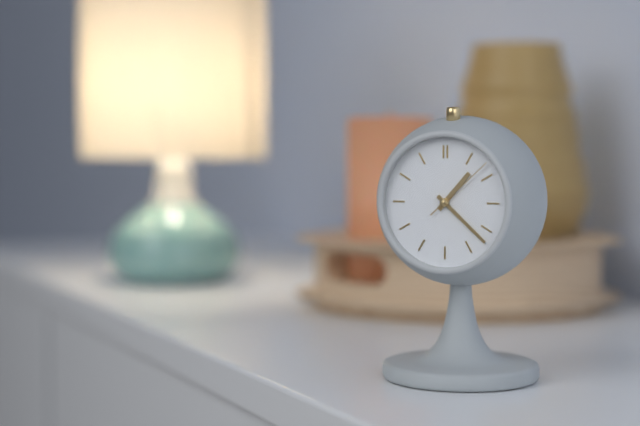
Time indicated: 1:22:08
